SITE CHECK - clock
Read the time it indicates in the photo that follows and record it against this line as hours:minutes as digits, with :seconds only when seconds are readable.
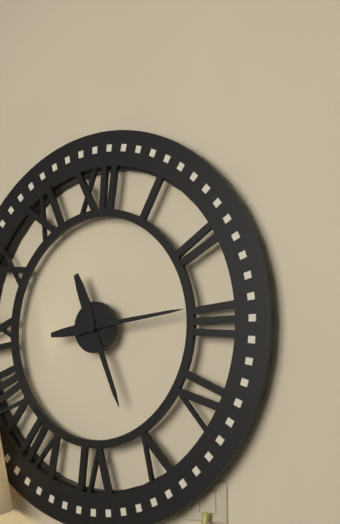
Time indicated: 5:14
